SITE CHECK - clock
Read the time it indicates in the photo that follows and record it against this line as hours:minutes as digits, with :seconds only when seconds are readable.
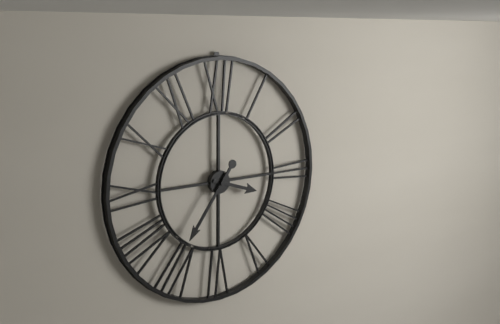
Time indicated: 3:36
